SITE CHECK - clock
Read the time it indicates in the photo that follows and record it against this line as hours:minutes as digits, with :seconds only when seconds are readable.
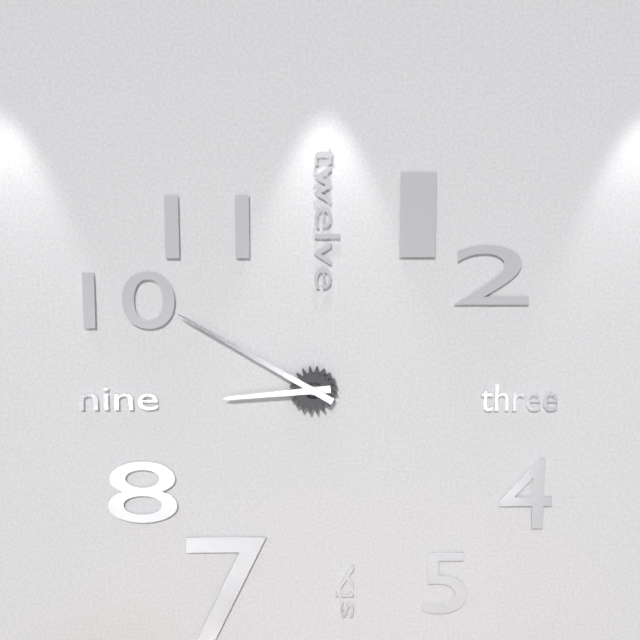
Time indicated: 8:50
